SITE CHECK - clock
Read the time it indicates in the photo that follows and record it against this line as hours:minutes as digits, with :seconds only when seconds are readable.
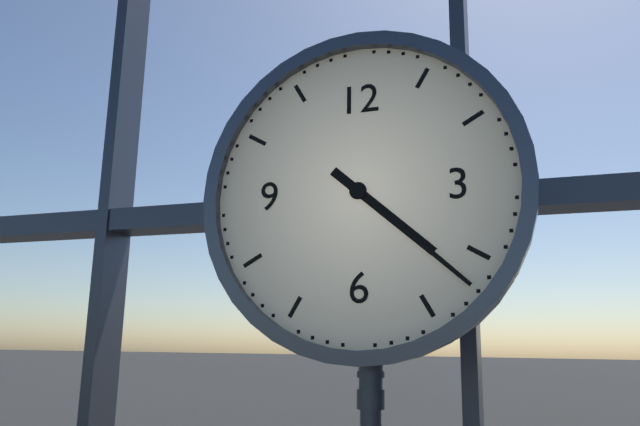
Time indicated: 4:22
